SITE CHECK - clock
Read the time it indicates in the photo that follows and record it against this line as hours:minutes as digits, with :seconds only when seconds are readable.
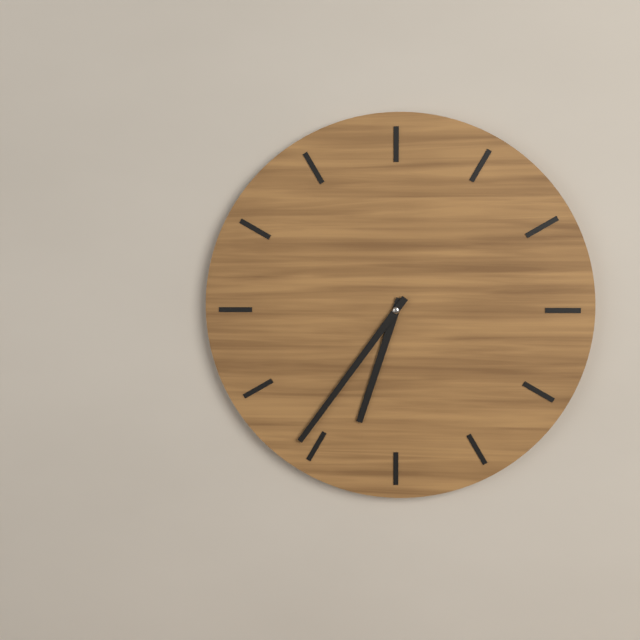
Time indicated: 6:36
